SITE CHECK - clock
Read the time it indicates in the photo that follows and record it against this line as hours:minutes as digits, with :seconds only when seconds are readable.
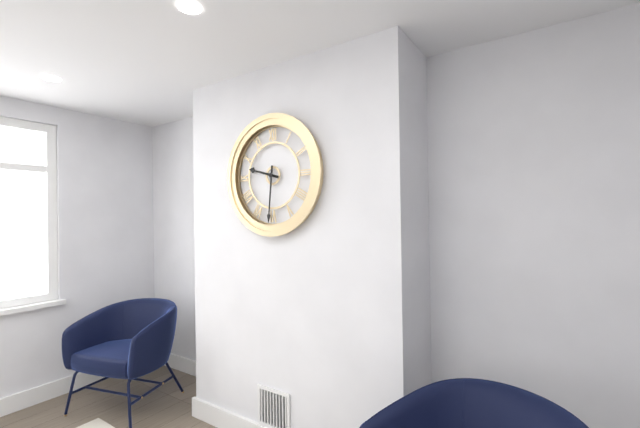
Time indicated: 9:31
